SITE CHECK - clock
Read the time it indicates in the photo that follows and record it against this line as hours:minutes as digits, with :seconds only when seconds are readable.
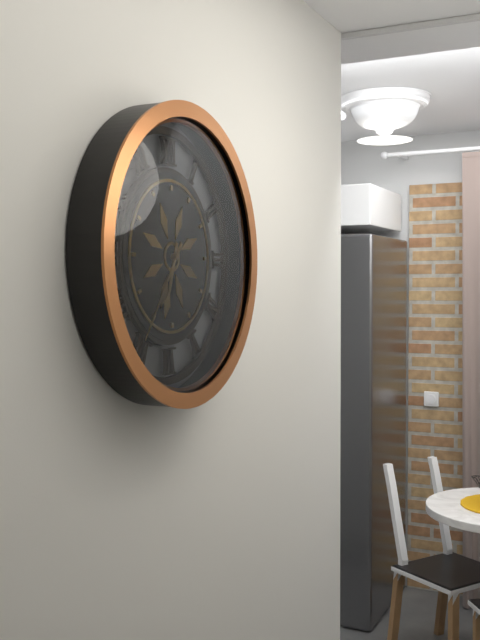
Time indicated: 6:36
